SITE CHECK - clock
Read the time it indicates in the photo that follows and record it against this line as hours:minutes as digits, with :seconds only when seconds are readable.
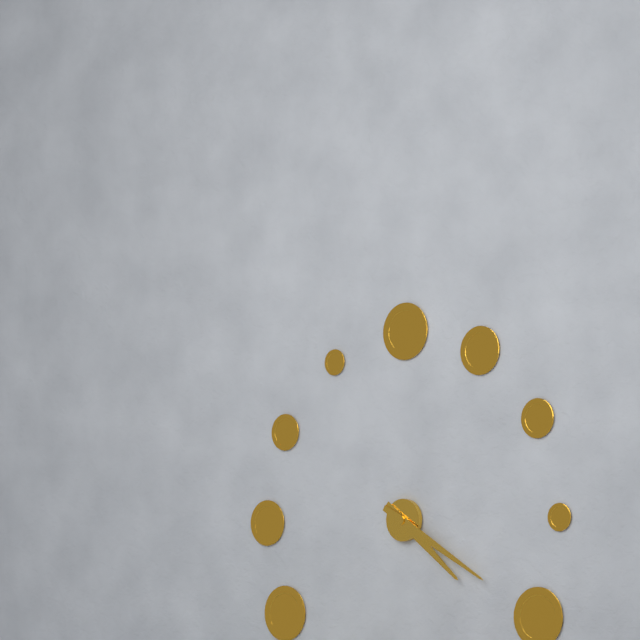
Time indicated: 4:20
